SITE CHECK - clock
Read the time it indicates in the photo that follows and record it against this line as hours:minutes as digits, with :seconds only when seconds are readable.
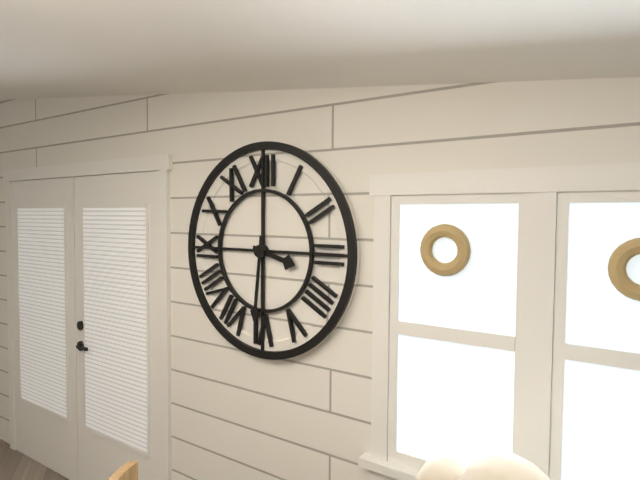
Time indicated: 3:31
